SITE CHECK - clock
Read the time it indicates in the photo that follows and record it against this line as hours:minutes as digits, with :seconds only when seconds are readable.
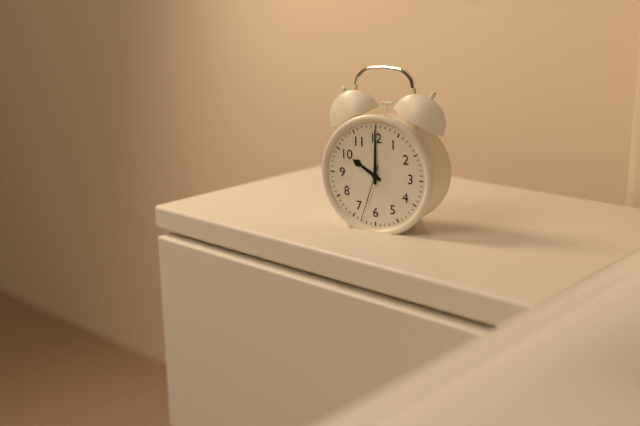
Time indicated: 10:00:33
